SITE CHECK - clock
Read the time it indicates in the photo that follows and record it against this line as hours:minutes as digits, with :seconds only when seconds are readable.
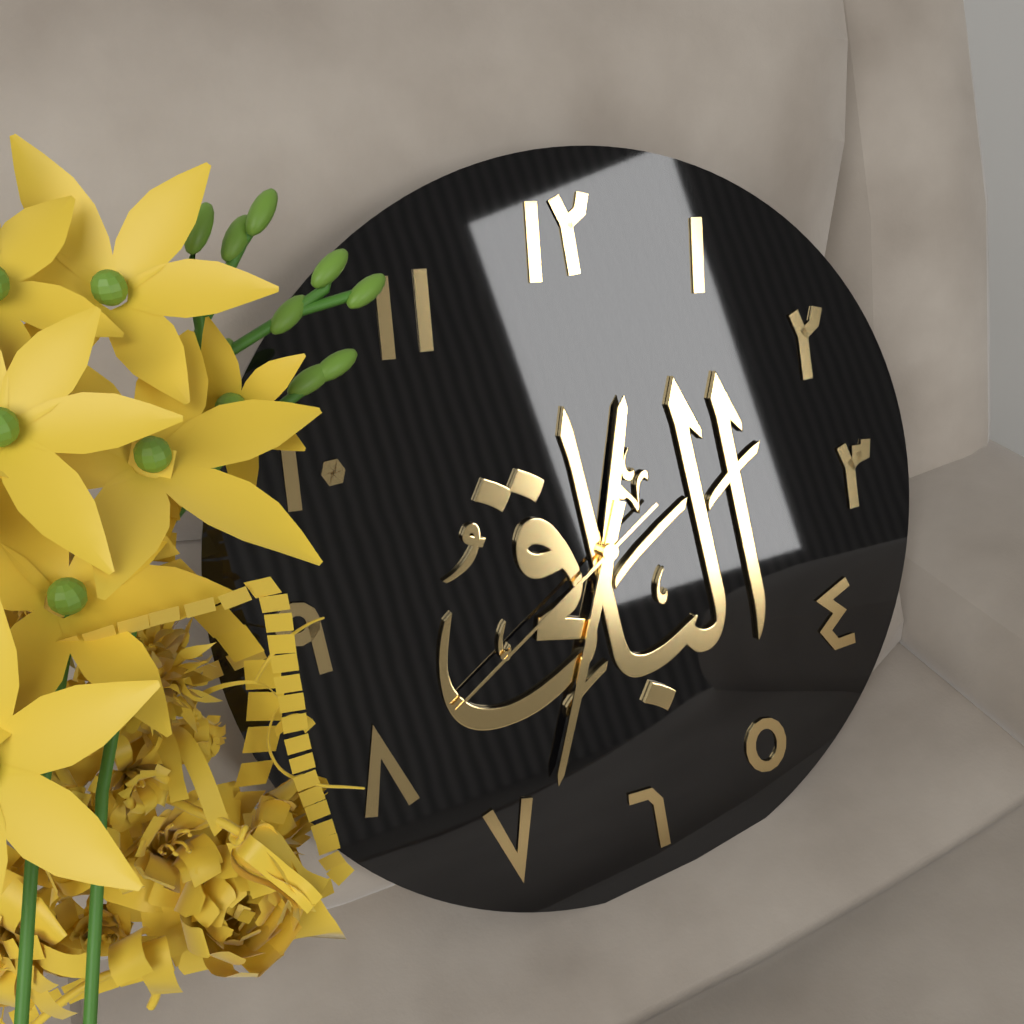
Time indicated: 12:34:40
